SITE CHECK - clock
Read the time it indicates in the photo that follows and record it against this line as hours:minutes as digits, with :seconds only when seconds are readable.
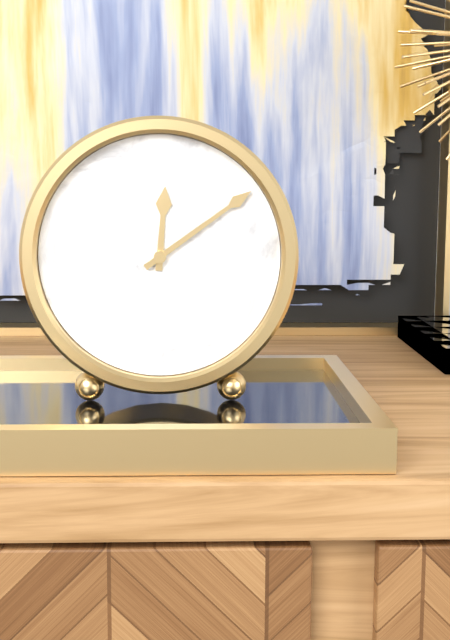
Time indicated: 12:09
